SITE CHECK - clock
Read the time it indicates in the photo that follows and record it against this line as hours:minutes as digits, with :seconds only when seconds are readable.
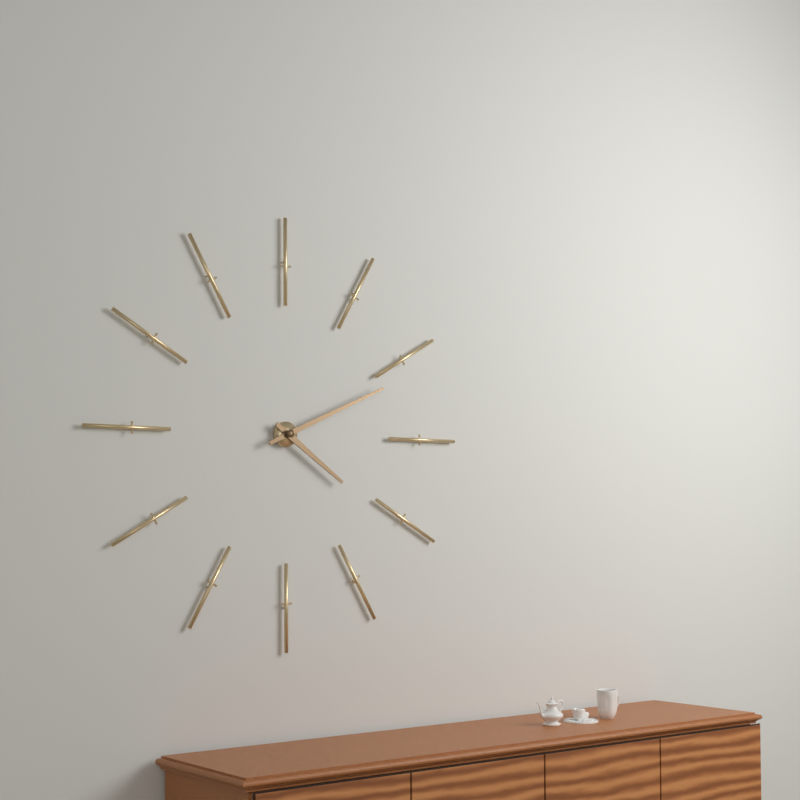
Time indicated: 4:11
